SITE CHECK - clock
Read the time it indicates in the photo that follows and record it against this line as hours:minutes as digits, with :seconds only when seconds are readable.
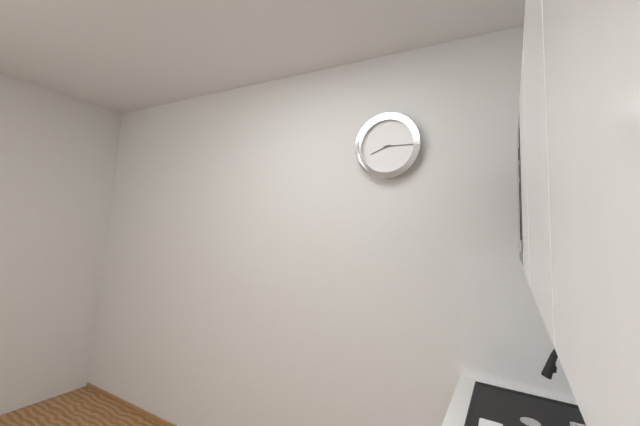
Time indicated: 8:15
